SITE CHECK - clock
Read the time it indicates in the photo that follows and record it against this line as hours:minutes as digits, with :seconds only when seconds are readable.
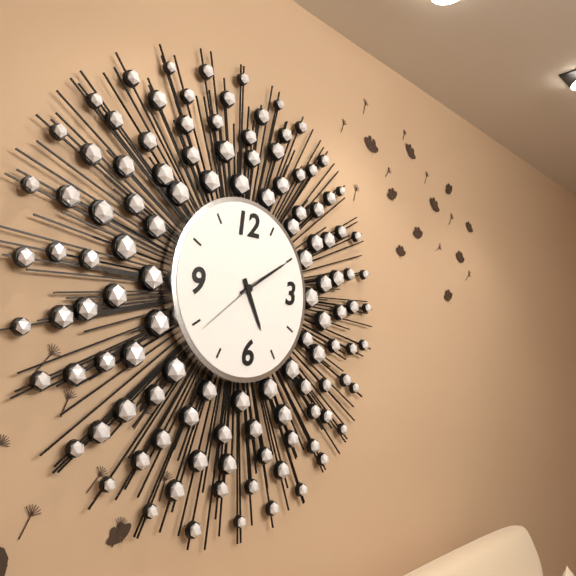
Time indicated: 5:10:39
